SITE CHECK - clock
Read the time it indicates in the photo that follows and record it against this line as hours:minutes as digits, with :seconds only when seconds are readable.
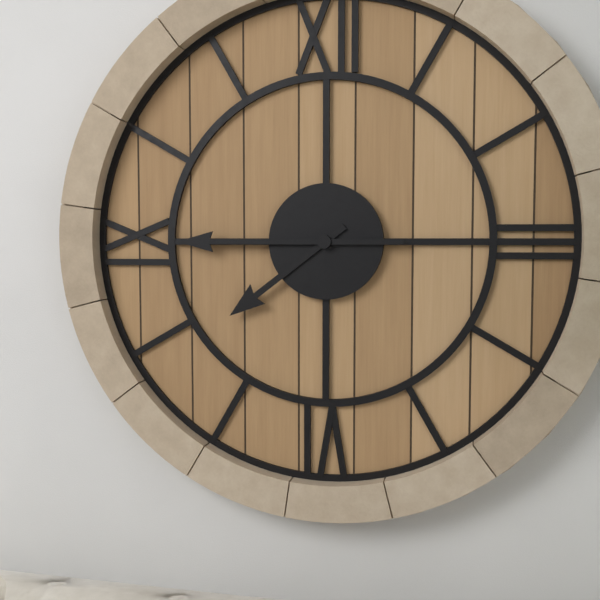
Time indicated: 7:45
